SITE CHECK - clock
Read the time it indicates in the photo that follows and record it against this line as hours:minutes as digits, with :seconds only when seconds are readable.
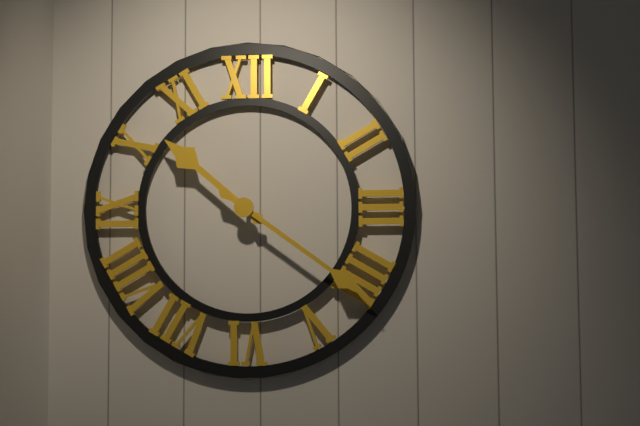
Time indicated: 10:21
